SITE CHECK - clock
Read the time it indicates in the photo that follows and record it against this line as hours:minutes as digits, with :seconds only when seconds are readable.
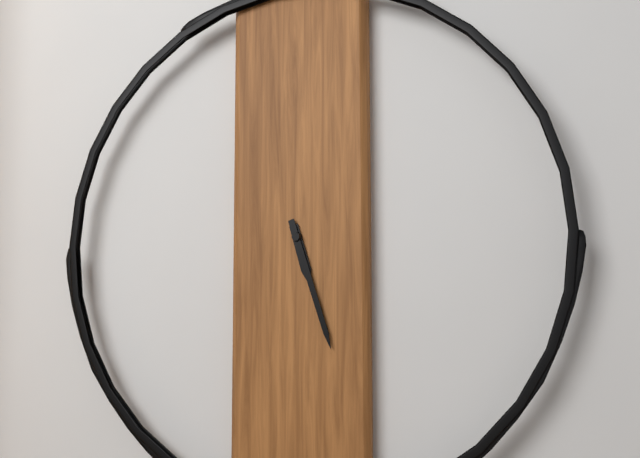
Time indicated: 5:27
